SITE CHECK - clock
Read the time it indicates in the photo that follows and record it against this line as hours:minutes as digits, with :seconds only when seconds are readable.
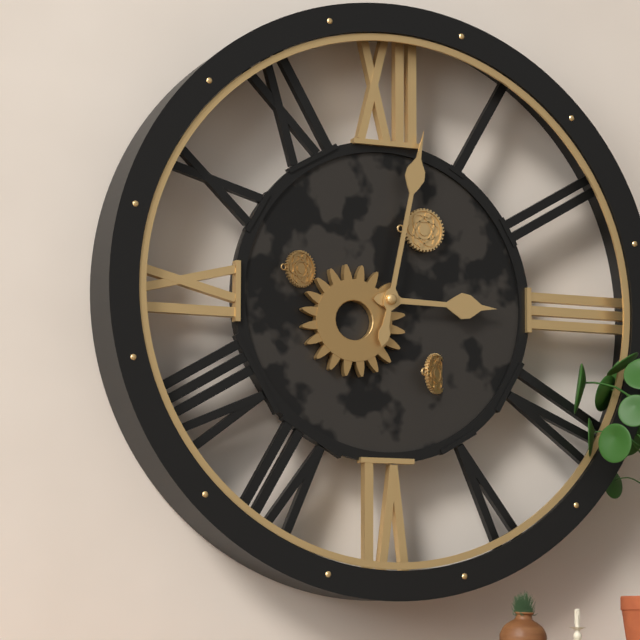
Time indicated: 3:02
